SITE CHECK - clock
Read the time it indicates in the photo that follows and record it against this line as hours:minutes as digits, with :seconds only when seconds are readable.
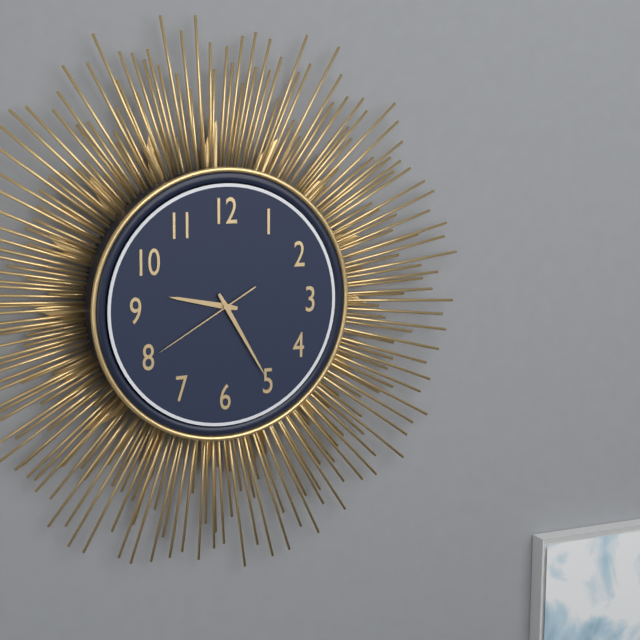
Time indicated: 9:25:40
